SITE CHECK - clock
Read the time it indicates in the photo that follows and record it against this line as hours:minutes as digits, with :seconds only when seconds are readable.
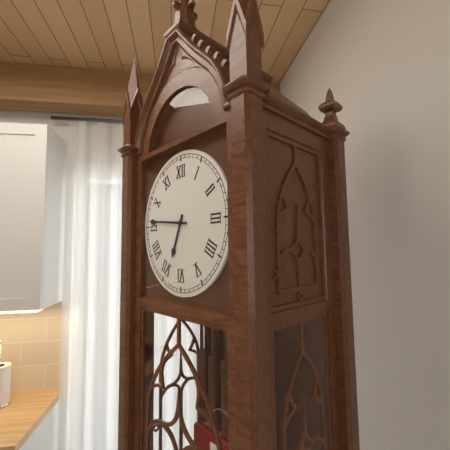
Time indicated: 6:46
